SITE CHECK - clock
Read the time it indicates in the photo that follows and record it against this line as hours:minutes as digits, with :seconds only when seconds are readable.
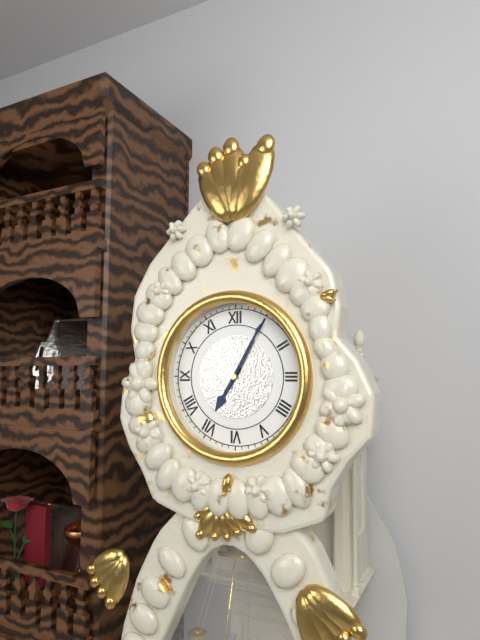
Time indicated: 7:05
